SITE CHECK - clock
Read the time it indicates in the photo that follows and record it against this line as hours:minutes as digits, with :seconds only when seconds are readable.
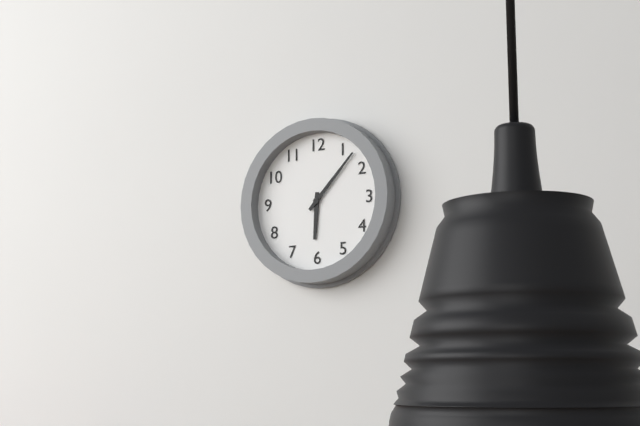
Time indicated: 6:07
